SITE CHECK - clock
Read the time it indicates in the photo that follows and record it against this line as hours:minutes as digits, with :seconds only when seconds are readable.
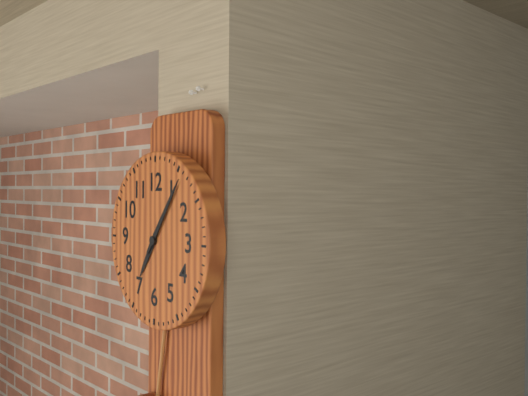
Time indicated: 7:06
